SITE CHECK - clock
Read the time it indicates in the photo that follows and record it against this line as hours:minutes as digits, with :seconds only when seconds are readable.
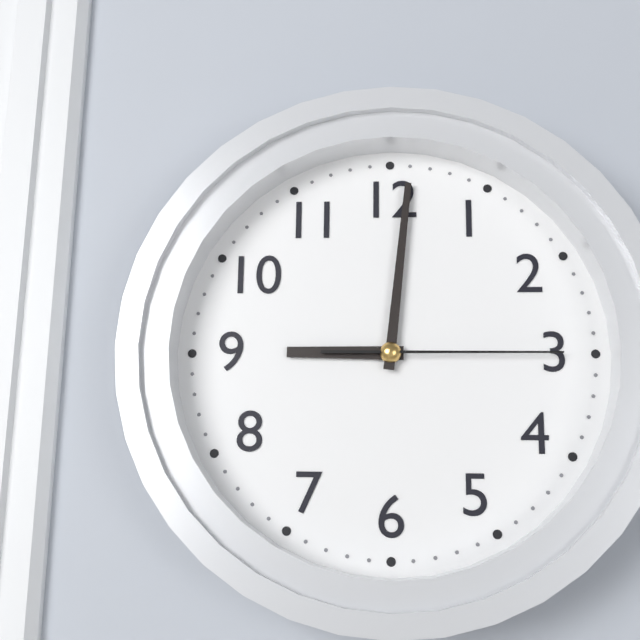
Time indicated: 9:01:15
